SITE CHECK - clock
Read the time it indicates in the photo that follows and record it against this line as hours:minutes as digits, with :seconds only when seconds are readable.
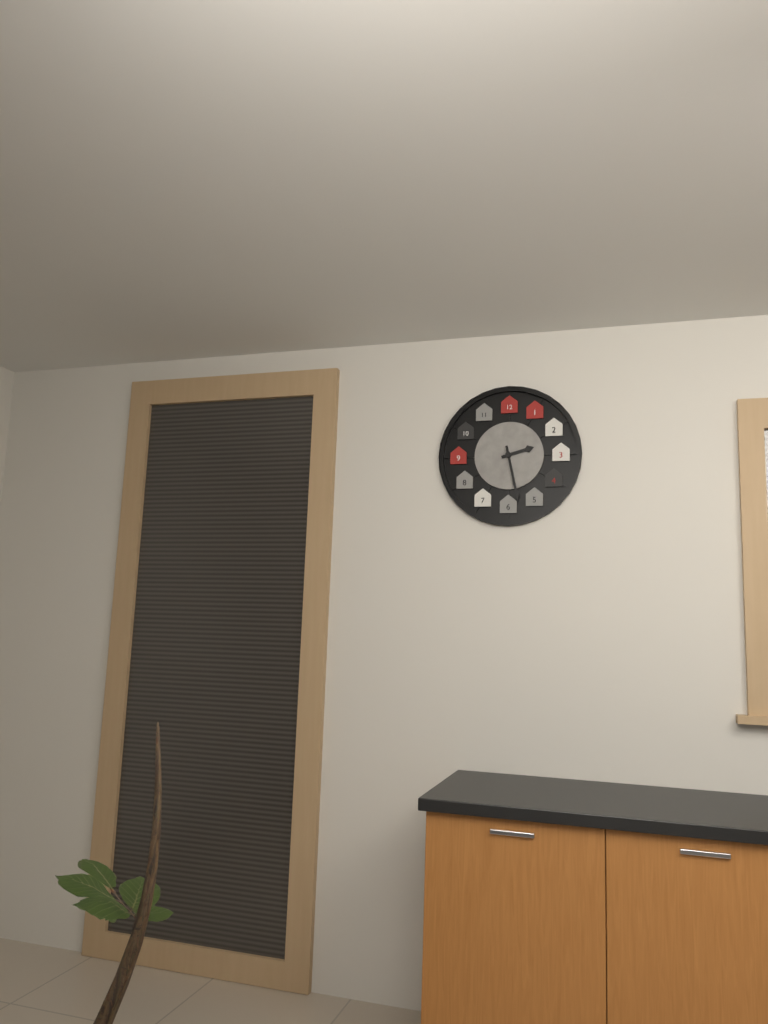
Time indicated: 2:28
